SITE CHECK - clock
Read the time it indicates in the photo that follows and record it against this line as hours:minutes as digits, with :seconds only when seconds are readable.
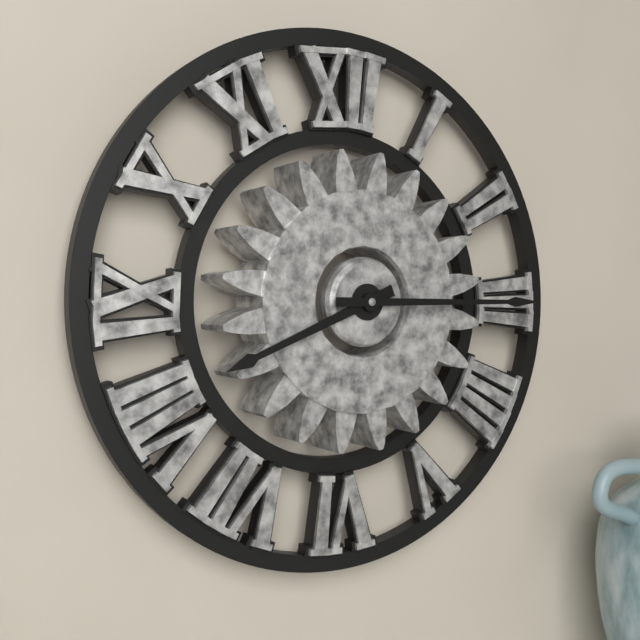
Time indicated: 8:15
